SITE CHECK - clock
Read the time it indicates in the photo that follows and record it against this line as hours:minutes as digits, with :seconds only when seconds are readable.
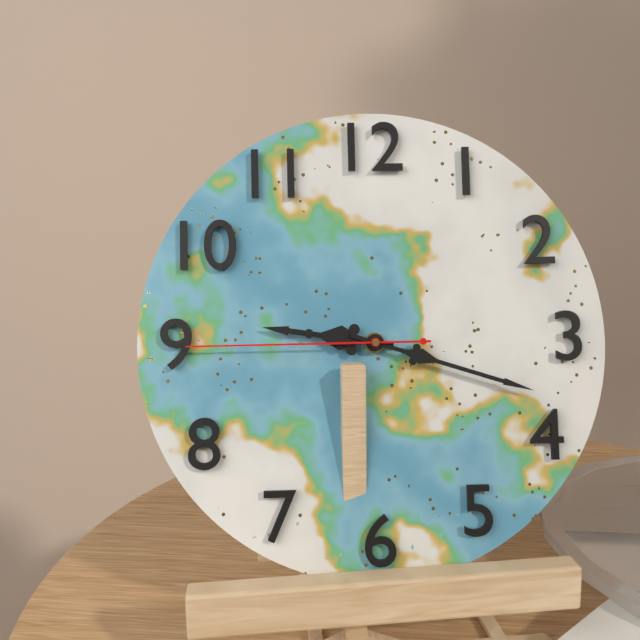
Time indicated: 9:18:45
